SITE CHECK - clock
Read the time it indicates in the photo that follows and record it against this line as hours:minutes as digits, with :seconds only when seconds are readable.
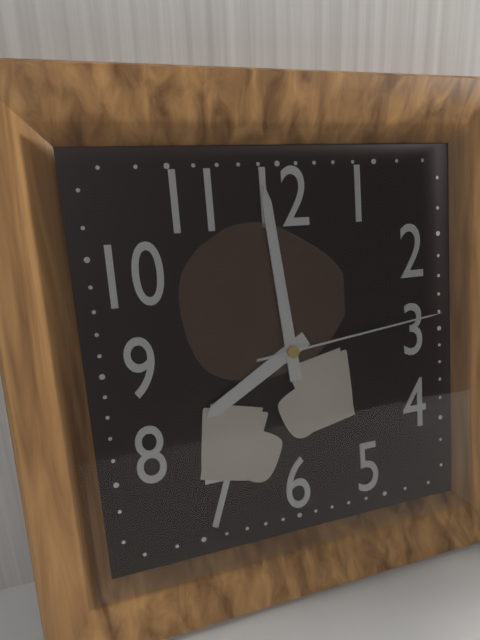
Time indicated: 7:59:14
